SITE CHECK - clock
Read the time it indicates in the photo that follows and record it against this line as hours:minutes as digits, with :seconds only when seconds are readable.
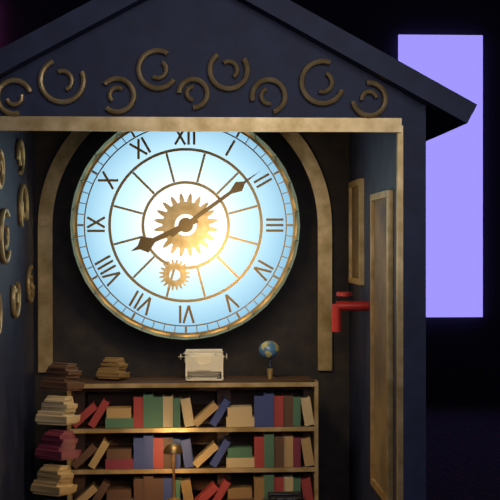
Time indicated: 8:09
